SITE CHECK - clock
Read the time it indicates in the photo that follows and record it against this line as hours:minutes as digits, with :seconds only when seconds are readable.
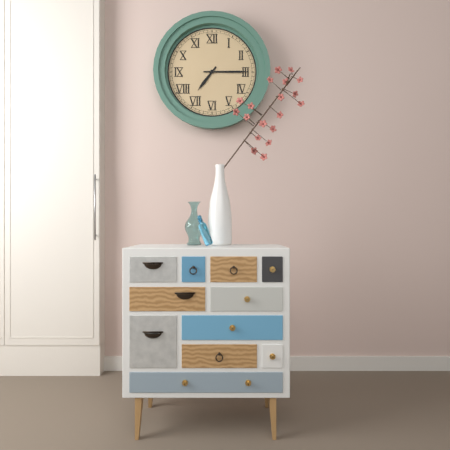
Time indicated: 7:15
